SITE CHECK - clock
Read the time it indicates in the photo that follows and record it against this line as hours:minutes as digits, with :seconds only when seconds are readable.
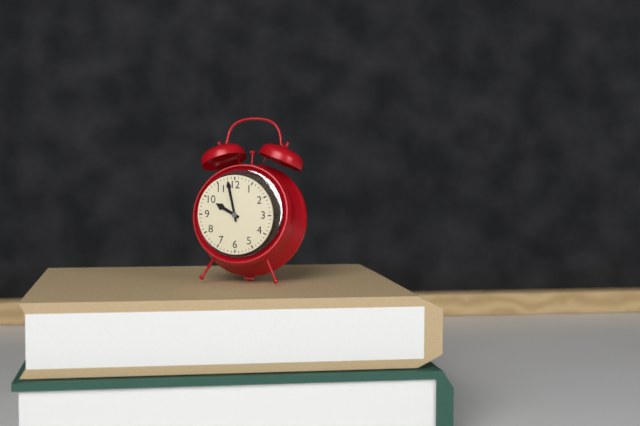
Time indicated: 9:58
